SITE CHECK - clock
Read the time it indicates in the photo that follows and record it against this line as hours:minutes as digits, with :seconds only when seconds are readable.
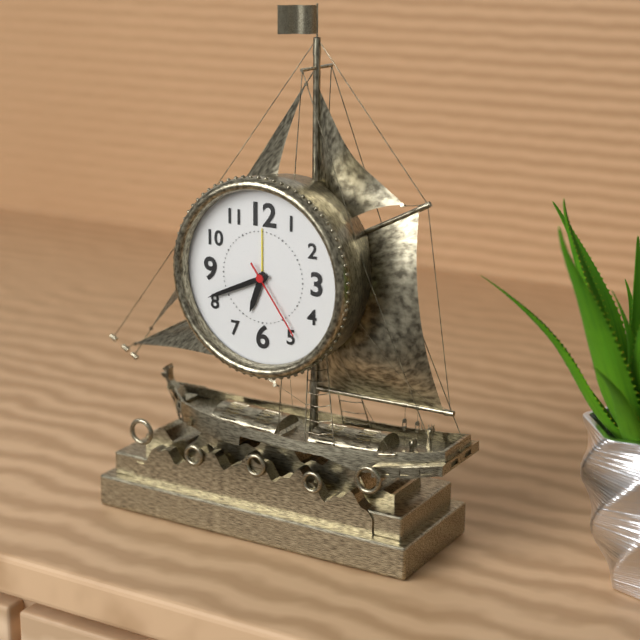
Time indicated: 6:41:24
